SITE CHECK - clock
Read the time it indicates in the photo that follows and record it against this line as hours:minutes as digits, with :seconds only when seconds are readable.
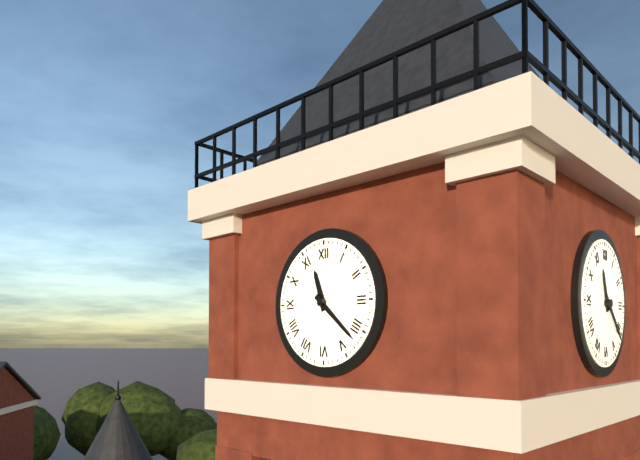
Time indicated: 11:22
